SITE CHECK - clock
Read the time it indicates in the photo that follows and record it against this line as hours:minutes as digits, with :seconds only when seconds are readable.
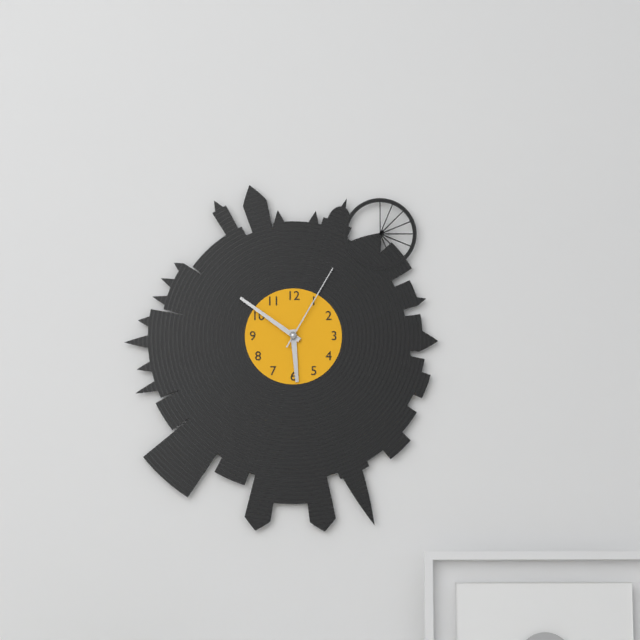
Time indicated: 5:51:05
